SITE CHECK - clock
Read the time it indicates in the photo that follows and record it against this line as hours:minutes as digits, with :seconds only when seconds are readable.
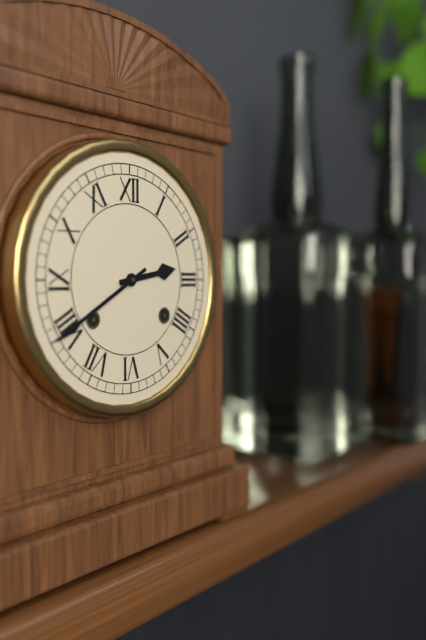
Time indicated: 2:40
